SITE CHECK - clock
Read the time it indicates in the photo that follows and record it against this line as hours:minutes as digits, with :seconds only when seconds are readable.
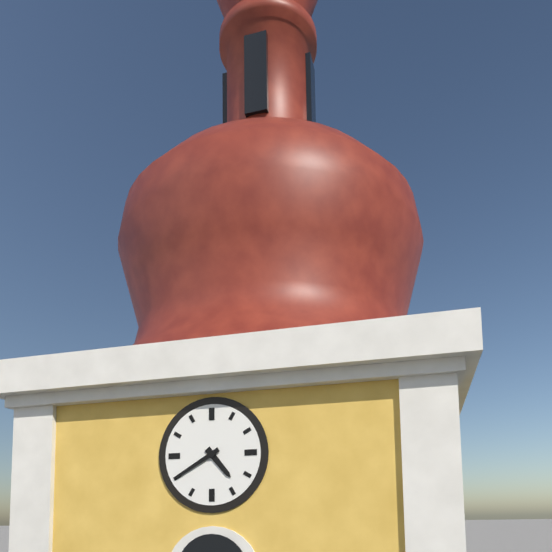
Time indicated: 4:40
